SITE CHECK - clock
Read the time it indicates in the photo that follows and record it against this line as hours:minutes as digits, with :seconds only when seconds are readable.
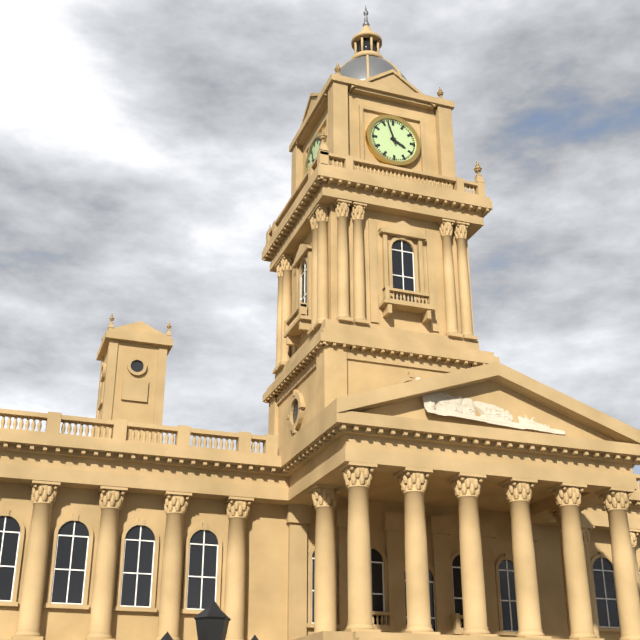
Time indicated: 3:57
